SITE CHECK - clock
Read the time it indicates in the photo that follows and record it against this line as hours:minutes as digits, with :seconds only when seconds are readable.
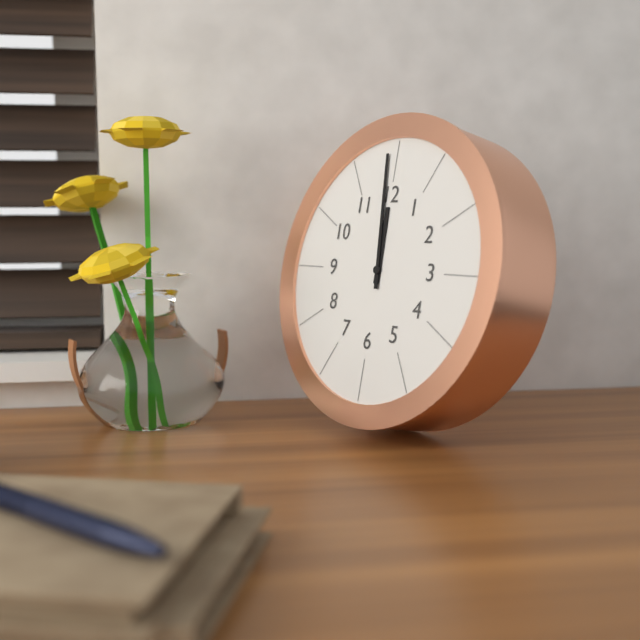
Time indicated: 11:59
